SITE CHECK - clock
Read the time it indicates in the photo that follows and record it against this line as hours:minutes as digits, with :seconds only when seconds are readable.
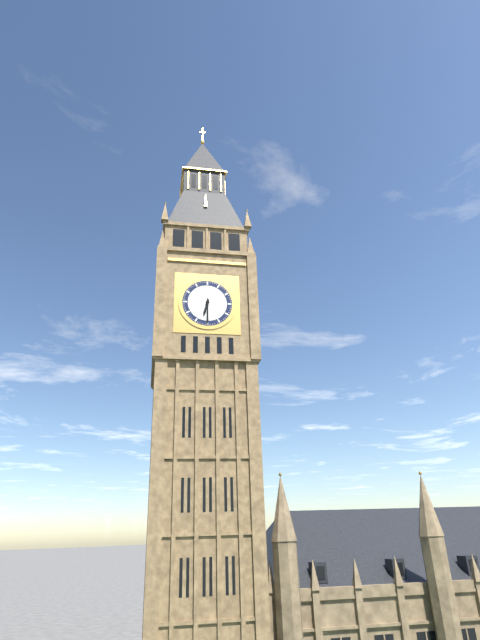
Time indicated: 6:30
